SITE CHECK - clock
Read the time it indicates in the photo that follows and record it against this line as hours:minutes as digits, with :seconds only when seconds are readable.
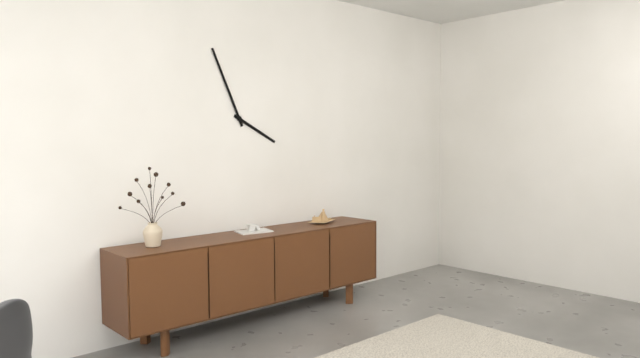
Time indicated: 3:56
